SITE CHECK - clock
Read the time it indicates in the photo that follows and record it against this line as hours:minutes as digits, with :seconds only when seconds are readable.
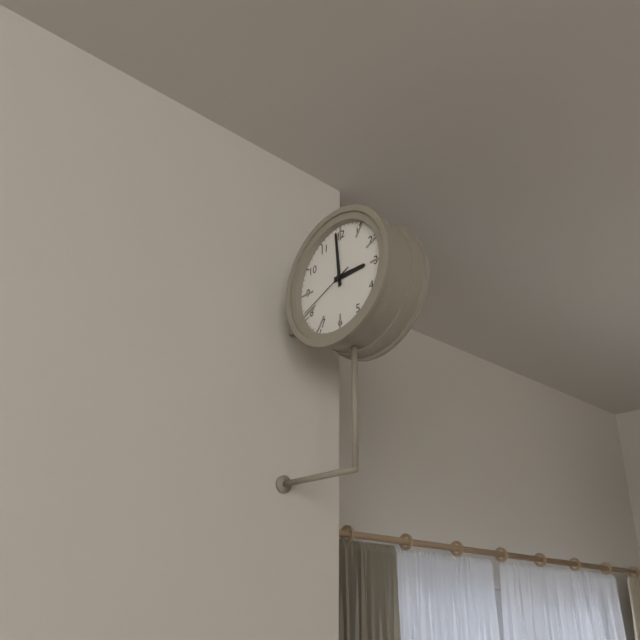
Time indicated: 2:59:41
